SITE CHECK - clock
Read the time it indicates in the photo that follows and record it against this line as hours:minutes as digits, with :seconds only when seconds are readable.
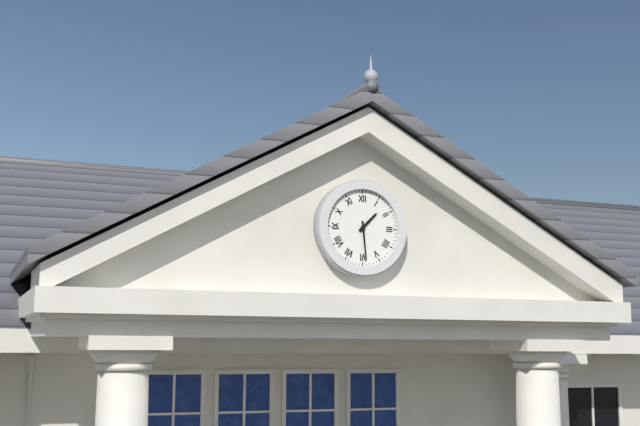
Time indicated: 1:29
